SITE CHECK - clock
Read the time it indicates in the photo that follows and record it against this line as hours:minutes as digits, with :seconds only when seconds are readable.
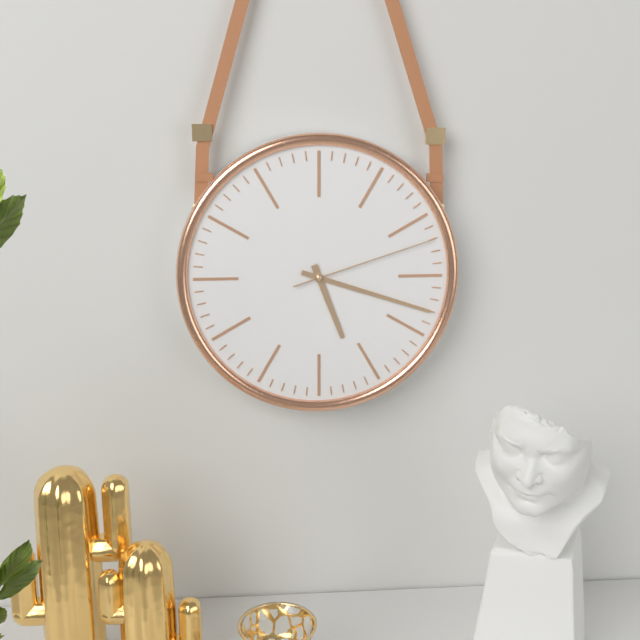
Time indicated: 5:18:12
